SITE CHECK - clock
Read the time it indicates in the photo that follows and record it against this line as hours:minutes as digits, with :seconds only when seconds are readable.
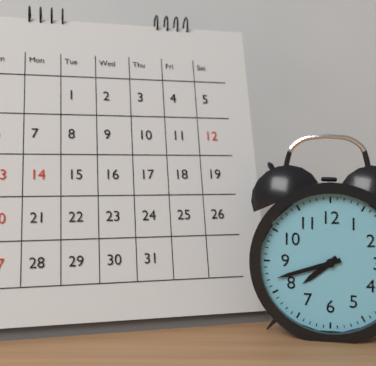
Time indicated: 7:42
